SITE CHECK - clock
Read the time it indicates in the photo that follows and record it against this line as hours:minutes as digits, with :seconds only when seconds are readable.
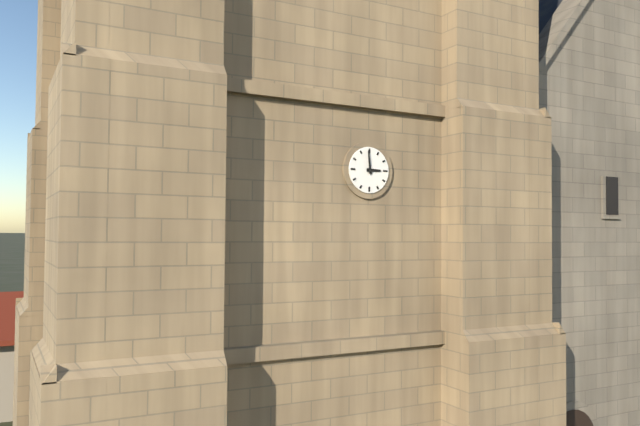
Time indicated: 2:59
